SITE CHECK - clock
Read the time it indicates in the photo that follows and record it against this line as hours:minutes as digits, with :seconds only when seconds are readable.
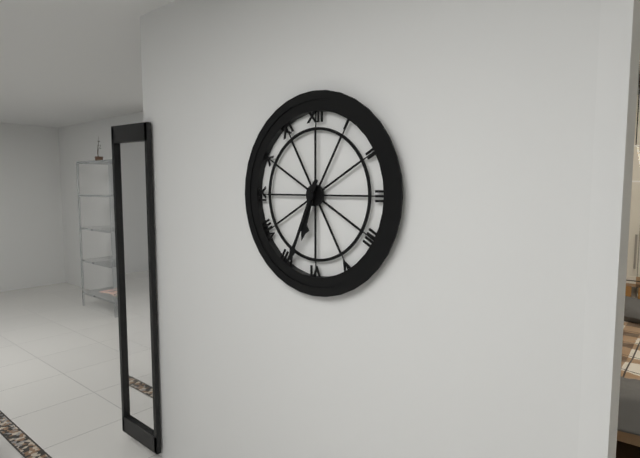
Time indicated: 6:34
